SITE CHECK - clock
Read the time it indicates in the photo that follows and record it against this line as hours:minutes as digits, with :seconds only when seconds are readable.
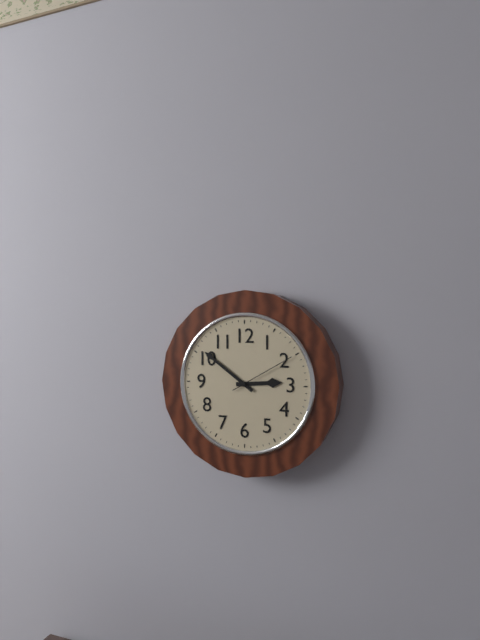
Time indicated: 2:51:10
